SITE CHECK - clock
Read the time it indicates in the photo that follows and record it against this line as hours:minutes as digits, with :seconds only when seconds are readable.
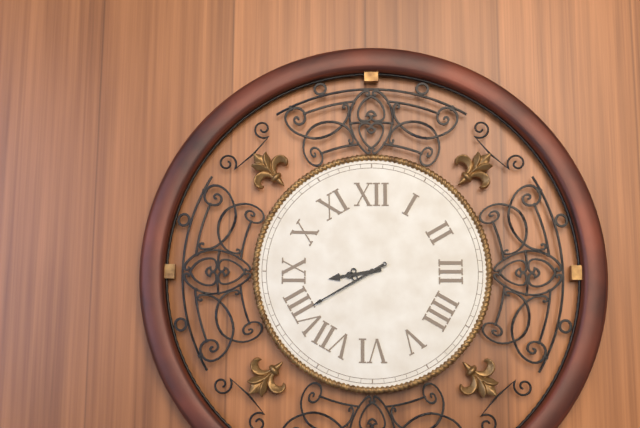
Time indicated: 8:40
